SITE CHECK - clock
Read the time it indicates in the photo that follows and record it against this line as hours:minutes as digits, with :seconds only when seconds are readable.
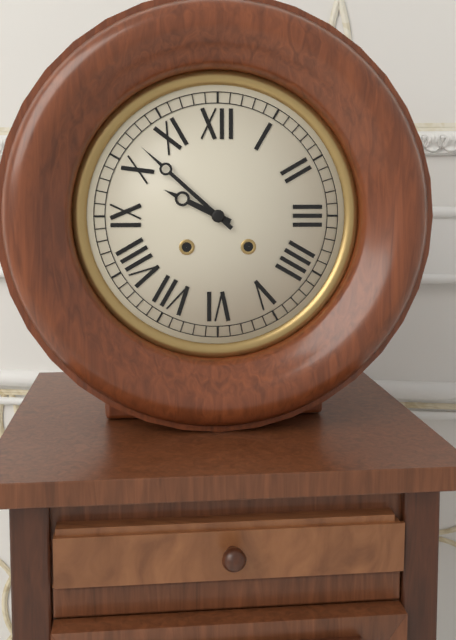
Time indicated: 9:52
